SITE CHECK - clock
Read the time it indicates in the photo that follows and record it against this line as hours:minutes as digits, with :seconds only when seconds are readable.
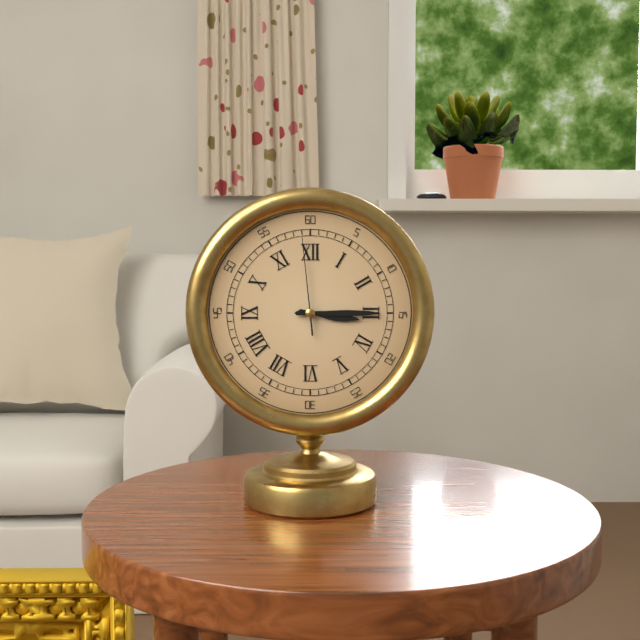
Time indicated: 3:15:59
